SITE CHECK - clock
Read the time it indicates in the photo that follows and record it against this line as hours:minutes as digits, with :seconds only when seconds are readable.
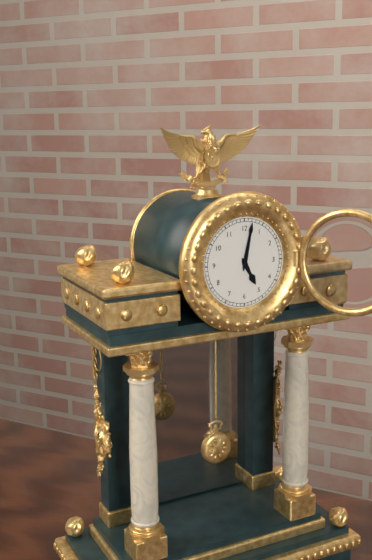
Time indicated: 5:02
